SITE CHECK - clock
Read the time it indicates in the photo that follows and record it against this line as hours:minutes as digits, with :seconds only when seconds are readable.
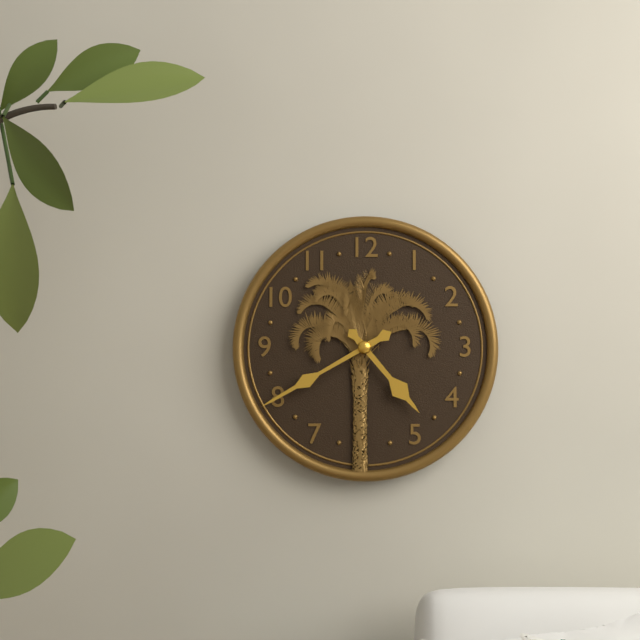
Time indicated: 4:40
